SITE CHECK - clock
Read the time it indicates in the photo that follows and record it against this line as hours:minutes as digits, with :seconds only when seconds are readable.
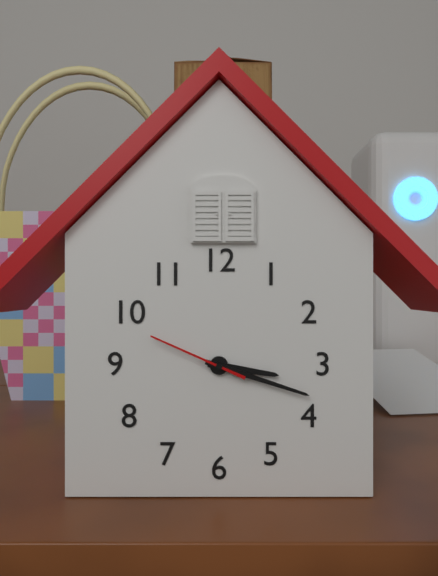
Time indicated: 3:18:49
